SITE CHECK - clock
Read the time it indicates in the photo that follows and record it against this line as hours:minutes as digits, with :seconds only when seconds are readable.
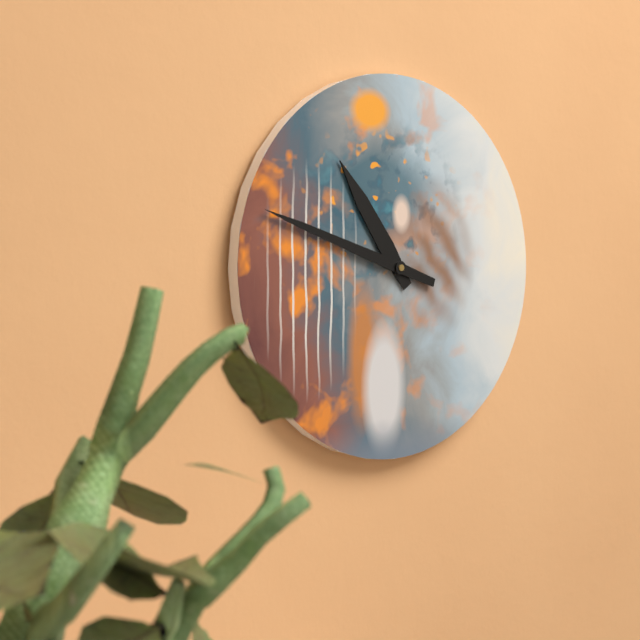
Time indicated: 10:48
